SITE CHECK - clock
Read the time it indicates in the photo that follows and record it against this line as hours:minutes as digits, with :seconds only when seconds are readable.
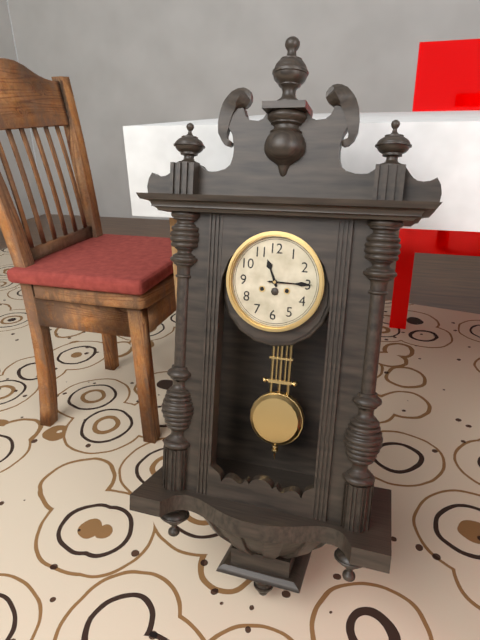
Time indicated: 11:15
